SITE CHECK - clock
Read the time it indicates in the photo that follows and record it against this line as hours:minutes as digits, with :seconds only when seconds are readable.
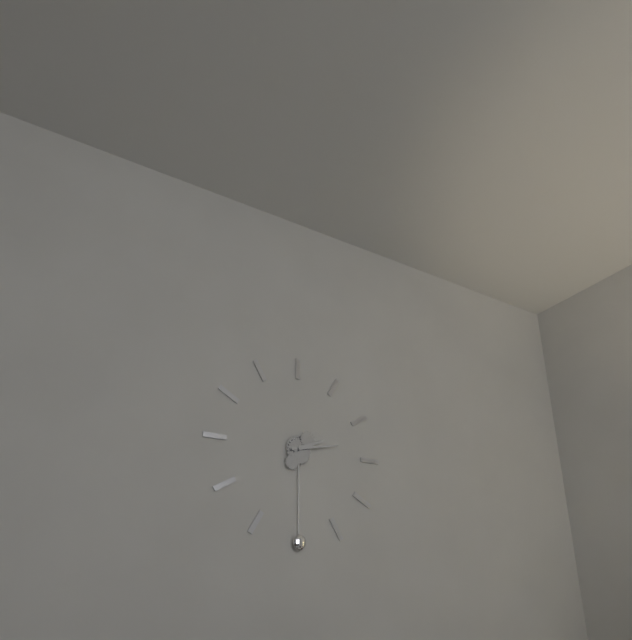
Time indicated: 2:13
